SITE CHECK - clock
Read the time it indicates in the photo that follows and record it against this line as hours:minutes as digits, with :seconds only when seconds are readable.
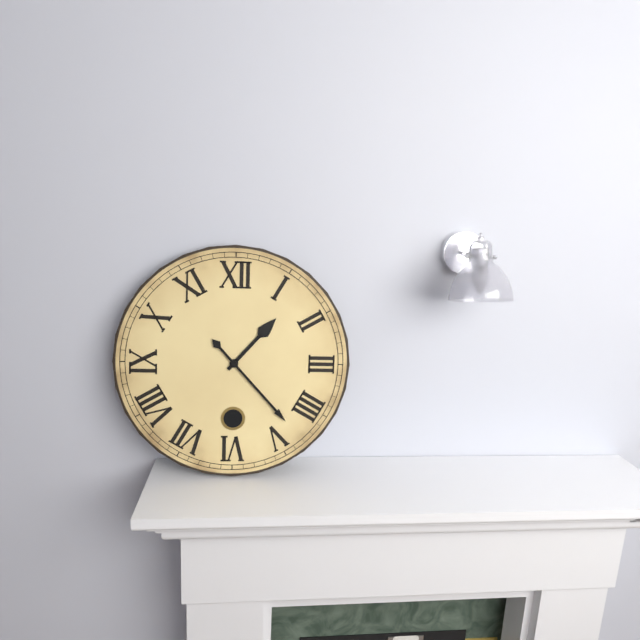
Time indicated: 1:23
